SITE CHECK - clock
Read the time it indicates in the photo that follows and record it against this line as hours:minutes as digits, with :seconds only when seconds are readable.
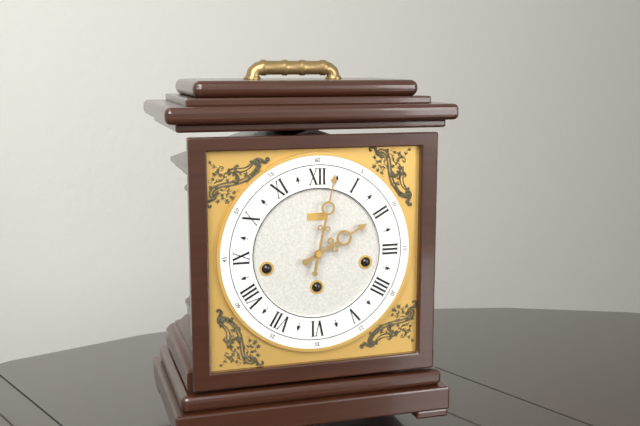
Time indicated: 2:02
